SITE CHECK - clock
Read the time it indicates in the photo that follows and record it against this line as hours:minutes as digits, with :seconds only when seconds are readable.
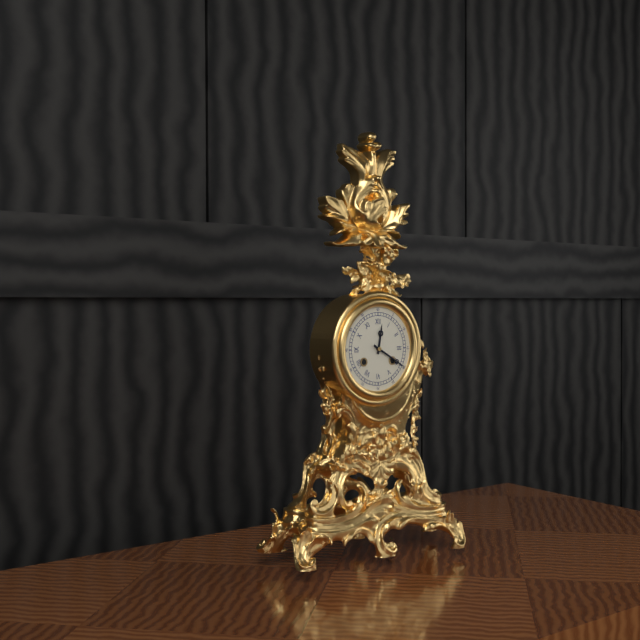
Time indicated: 12:20
